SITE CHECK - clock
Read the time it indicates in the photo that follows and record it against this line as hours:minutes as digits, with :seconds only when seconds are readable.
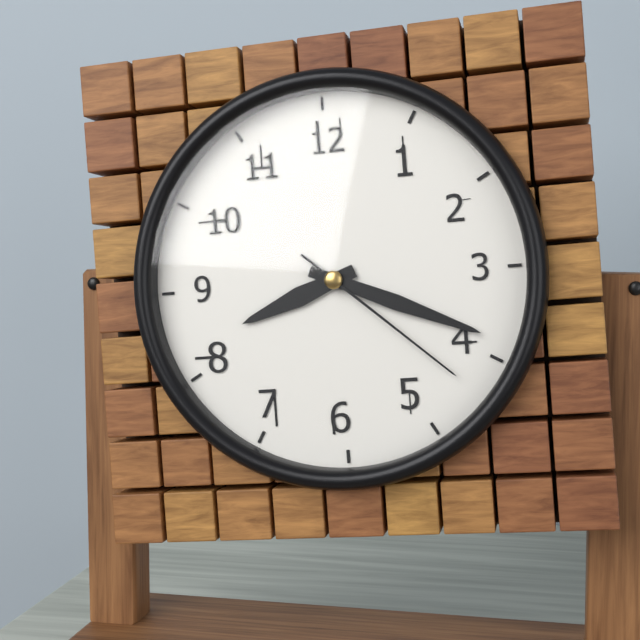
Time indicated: 8:19:22
